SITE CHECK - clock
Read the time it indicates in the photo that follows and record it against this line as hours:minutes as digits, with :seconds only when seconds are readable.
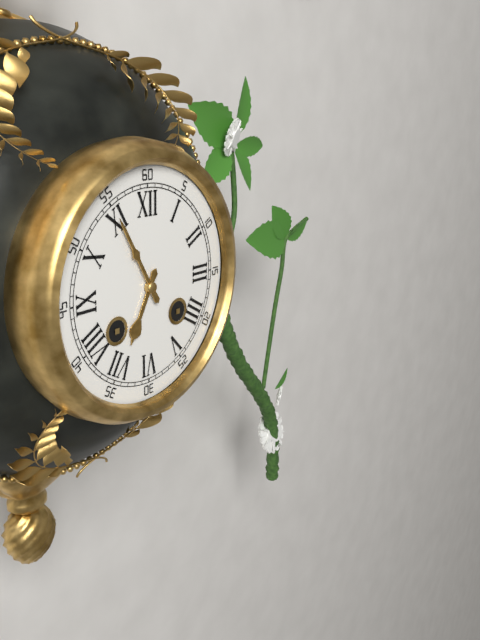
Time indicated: 6:55
